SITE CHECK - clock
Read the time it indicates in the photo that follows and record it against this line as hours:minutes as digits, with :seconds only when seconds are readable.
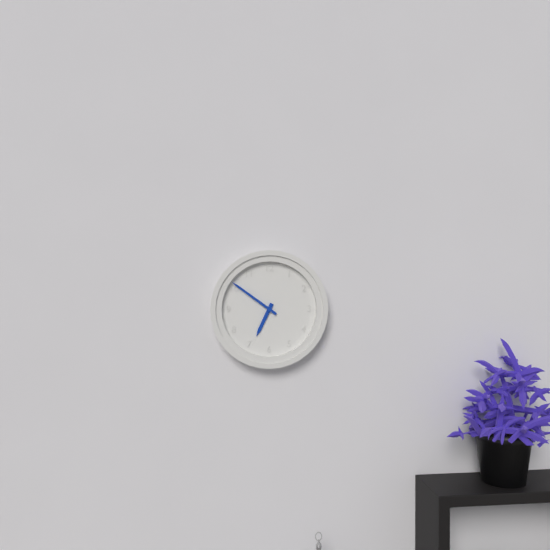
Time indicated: 6:51
